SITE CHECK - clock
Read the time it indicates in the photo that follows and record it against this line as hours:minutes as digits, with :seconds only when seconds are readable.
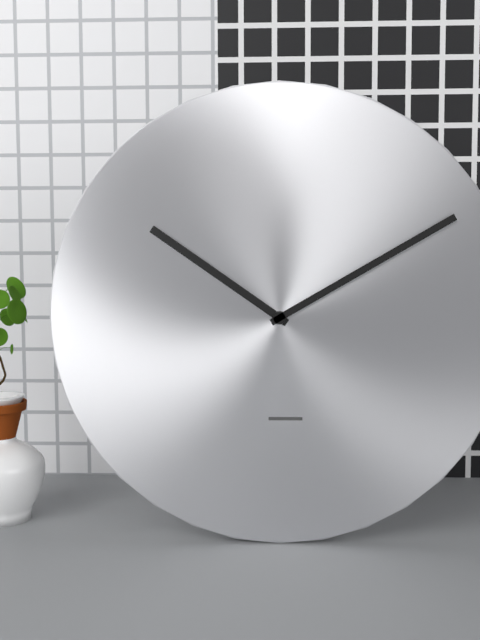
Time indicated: 10:10
